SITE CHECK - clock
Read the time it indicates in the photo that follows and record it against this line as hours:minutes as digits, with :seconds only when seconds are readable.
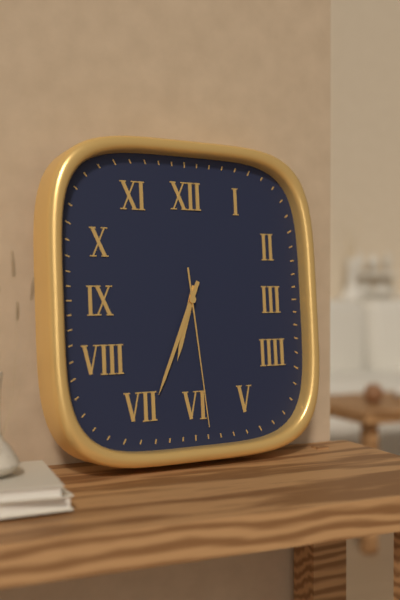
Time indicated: 6:34:29
